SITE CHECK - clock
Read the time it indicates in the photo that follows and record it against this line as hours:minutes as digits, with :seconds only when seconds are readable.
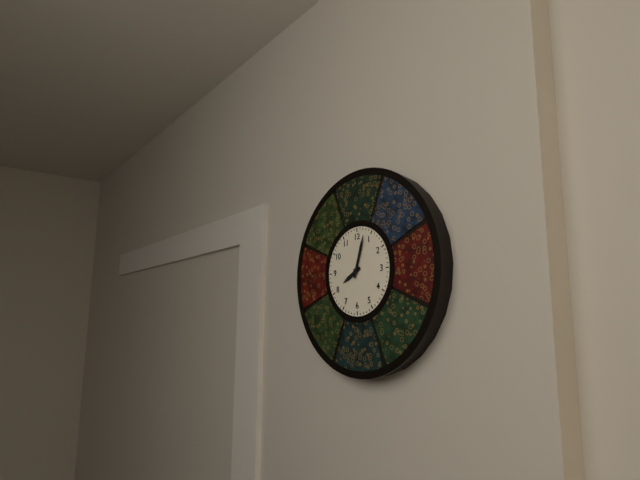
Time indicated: 8:03
